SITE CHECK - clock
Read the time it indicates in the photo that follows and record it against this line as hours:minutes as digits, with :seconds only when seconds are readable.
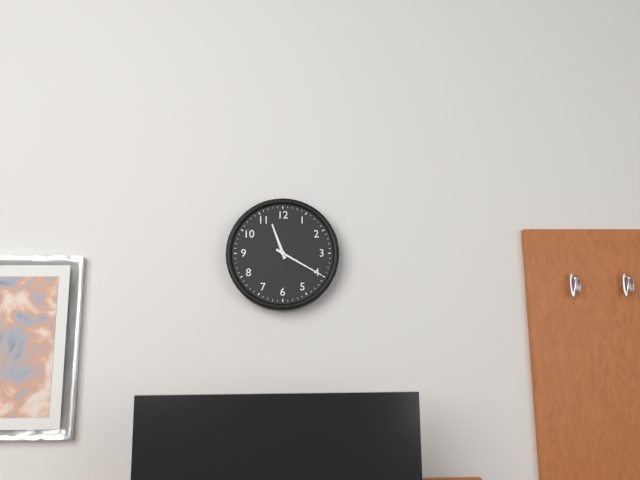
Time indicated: 11:20
